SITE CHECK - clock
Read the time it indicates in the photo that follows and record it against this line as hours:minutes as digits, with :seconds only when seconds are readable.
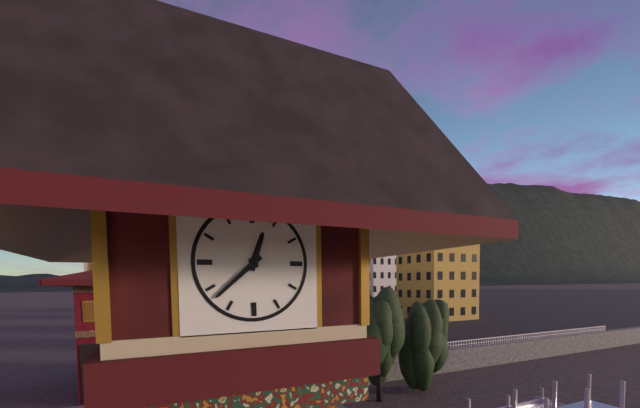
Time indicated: 12:38
